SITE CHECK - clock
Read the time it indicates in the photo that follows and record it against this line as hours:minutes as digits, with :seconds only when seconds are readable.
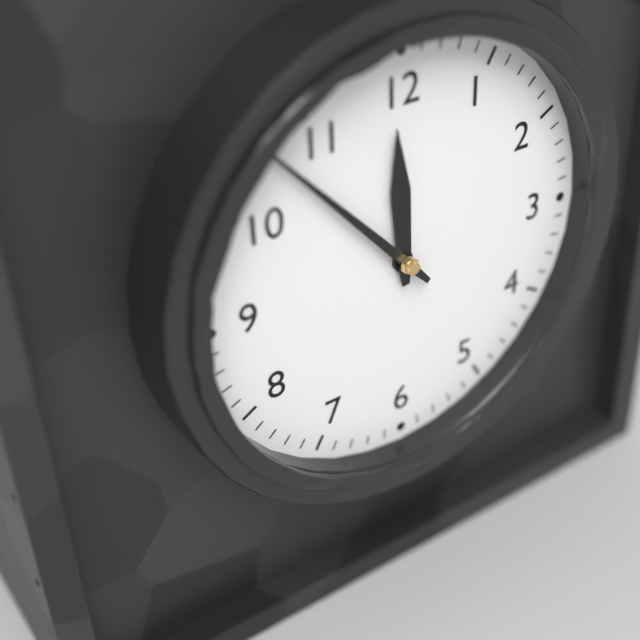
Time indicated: 11:53
